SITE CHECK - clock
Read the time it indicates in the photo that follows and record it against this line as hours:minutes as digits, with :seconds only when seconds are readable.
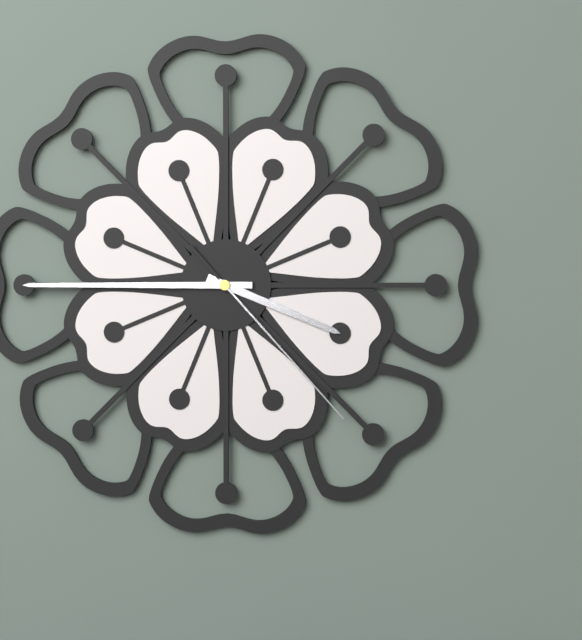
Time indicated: 3:45:23
